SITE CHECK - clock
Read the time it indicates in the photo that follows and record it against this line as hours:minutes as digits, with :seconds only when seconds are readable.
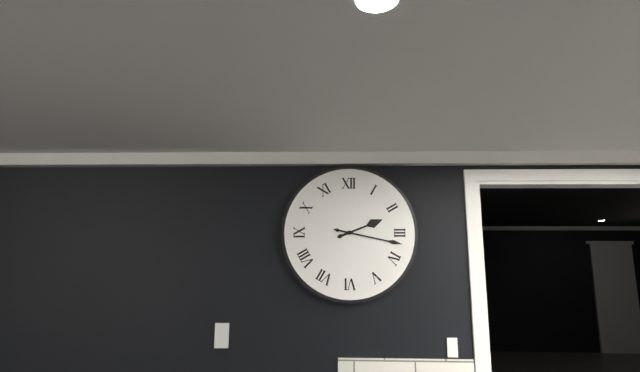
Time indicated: 2:17
